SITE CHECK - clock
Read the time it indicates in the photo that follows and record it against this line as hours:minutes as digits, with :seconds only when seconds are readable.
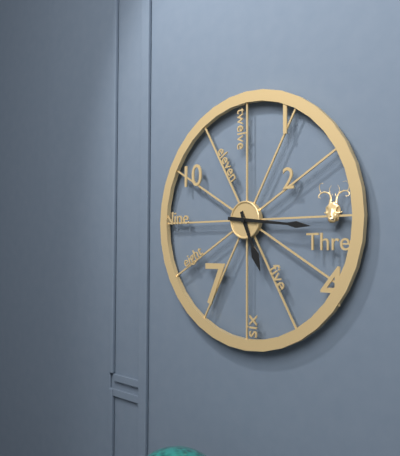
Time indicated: 5:16
